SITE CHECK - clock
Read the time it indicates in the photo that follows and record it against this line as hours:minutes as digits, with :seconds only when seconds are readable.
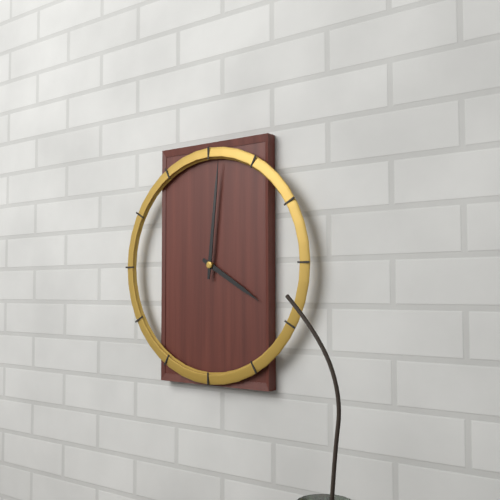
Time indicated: 4:01
